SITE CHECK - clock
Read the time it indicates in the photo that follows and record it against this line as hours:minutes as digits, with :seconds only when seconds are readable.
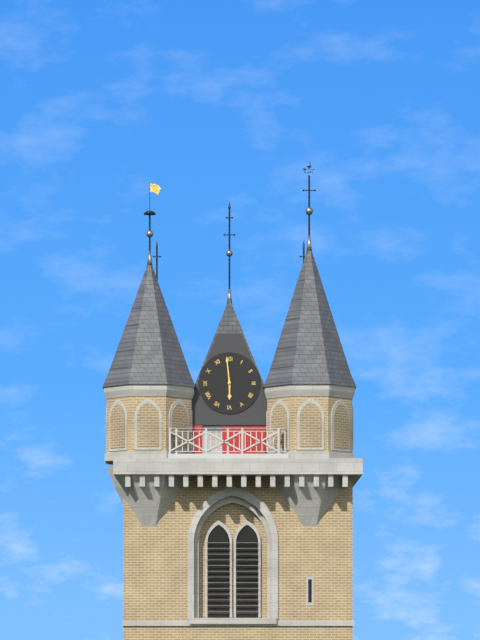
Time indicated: 5:59
